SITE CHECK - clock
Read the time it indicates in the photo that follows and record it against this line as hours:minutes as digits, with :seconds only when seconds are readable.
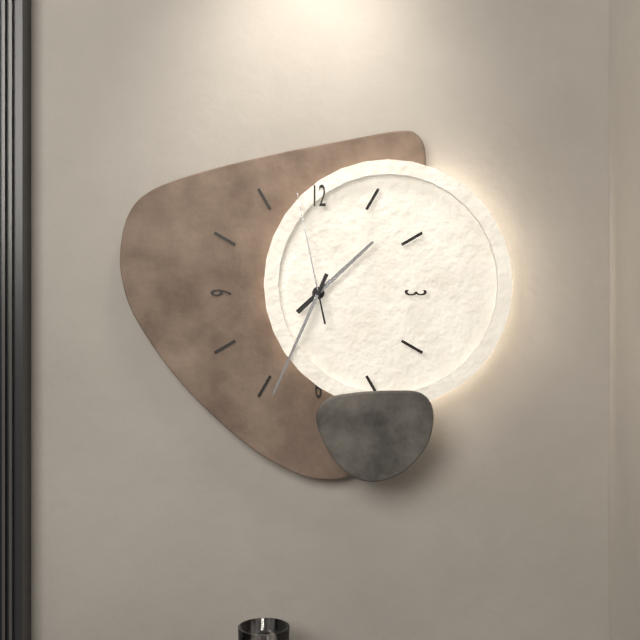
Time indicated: 1:34:58
